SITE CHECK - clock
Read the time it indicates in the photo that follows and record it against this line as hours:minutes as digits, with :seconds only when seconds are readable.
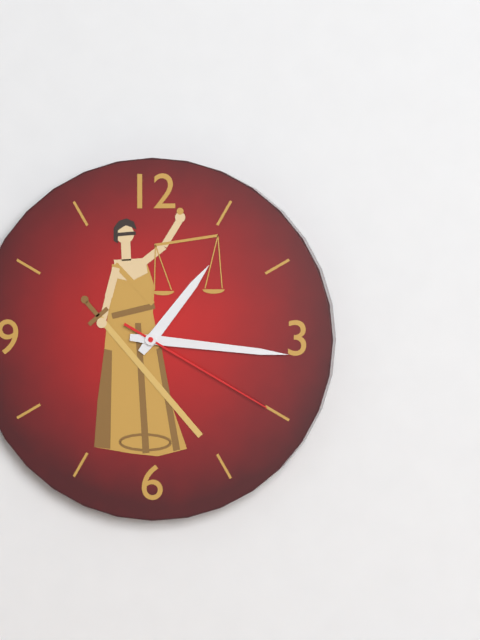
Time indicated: 1:16:20
